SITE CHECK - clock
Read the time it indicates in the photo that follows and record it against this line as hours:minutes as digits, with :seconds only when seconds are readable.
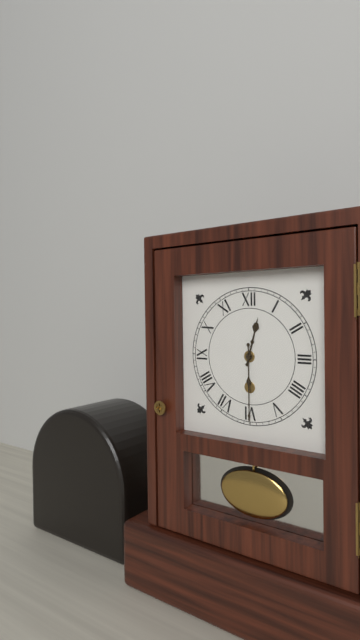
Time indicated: 12:30
